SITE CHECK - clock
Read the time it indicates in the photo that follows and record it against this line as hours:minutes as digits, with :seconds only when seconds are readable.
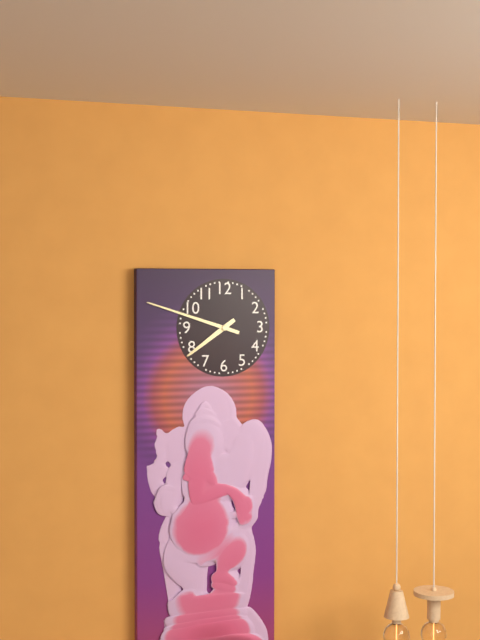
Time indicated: 7:48
